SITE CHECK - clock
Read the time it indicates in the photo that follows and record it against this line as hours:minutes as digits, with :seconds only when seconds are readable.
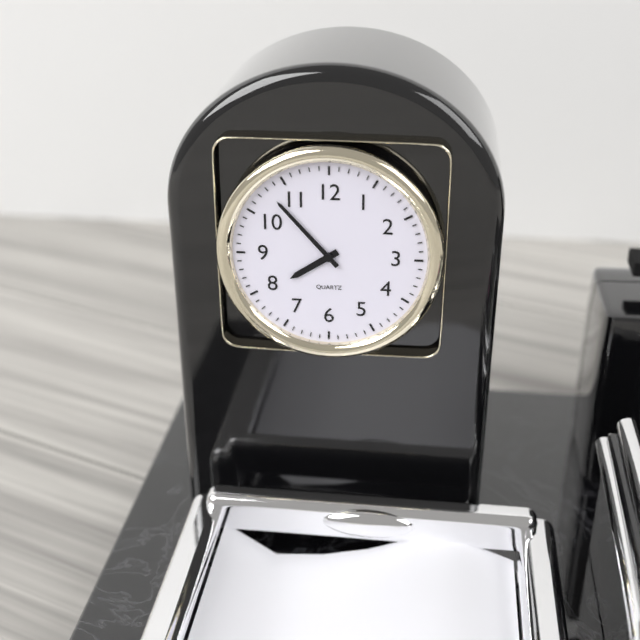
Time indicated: 7:53
